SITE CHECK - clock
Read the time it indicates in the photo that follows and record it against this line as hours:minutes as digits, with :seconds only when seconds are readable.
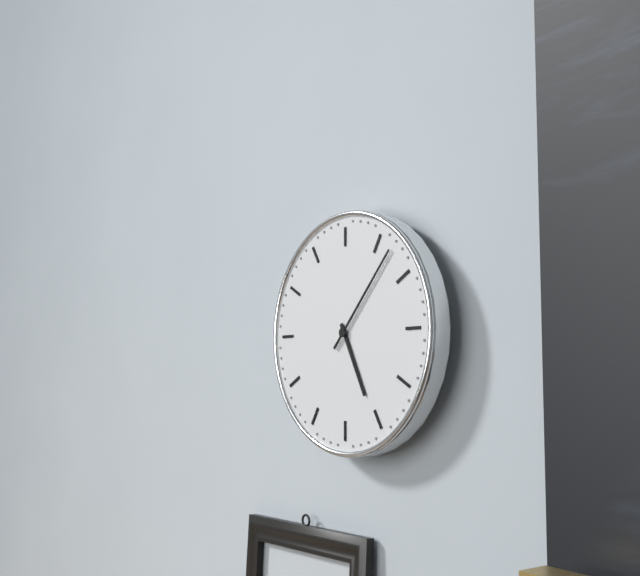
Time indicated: 5:07
